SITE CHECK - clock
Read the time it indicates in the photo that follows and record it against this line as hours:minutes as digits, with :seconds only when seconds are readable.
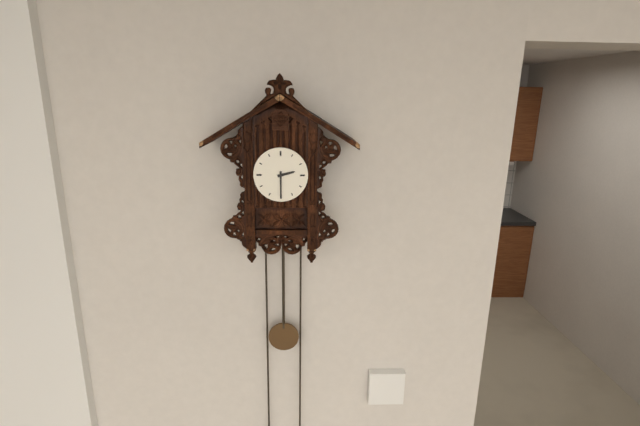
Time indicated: 2:30
